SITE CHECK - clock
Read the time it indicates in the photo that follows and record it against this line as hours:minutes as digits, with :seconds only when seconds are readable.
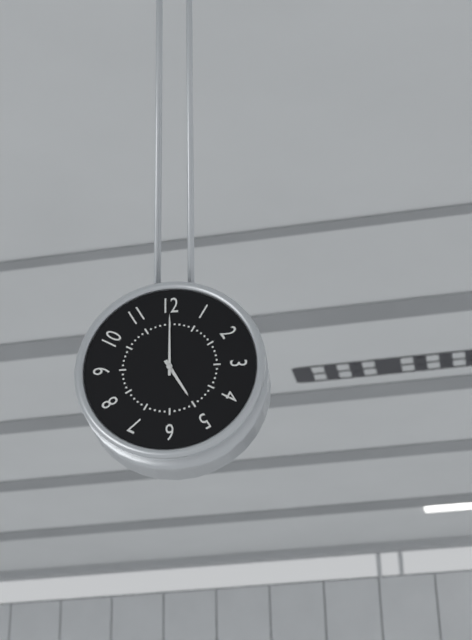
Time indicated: 5:00
